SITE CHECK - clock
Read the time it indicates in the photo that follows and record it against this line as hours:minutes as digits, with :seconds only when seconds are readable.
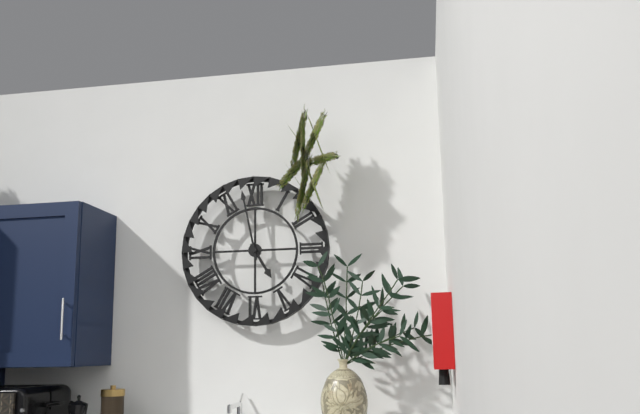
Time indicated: 4:58
